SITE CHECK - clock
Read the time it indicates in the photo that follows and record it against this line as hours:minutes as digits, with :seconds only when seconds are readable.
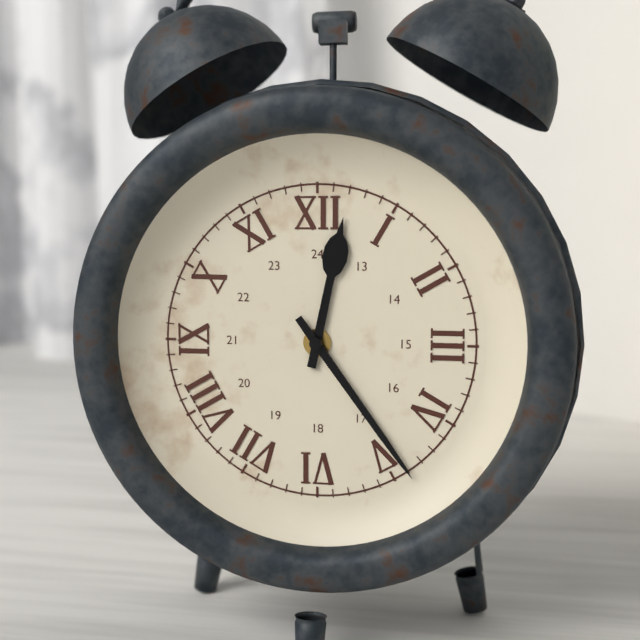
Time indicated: 12:24
